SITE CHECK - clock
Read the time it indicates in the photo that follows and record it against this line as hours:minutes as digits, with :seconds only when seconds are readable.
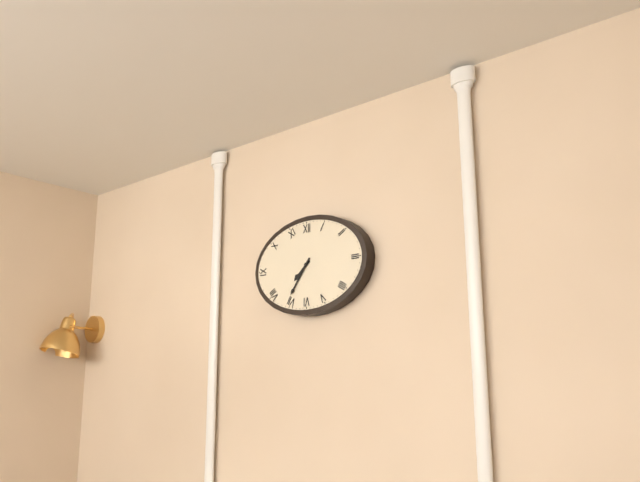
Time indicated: 7:36
